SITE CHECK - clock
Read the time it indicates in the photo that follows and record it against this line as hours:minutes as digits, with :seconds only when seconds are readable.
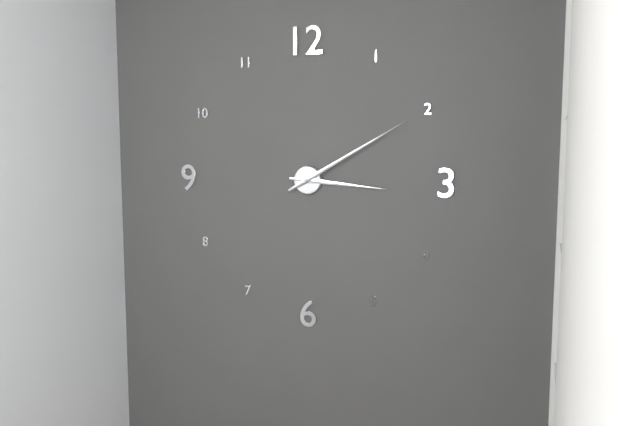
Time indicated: 3:10
